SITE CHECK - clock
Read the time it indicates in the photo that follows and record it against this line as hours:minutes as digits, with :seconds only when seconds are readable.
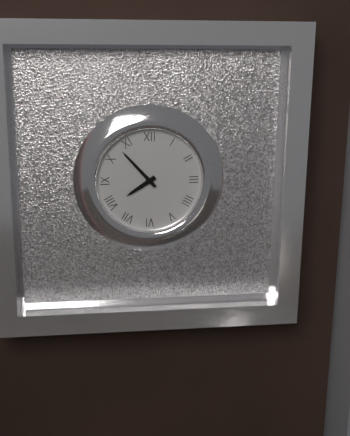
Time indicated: 7:53
